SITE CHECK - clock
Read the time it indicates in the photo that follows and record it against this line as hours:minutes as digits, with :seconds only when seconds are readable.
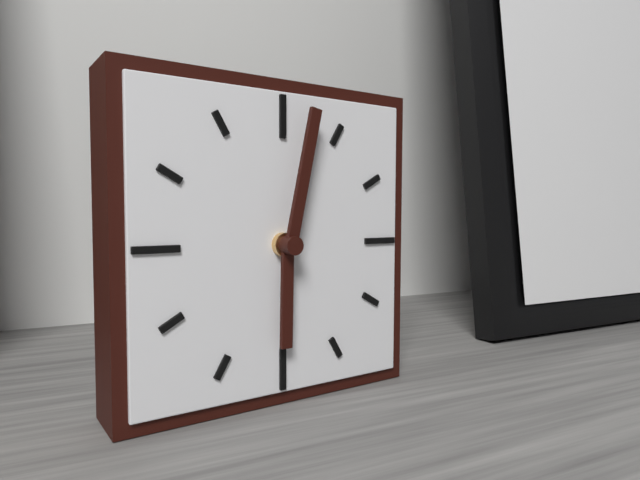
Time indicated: 6:02
